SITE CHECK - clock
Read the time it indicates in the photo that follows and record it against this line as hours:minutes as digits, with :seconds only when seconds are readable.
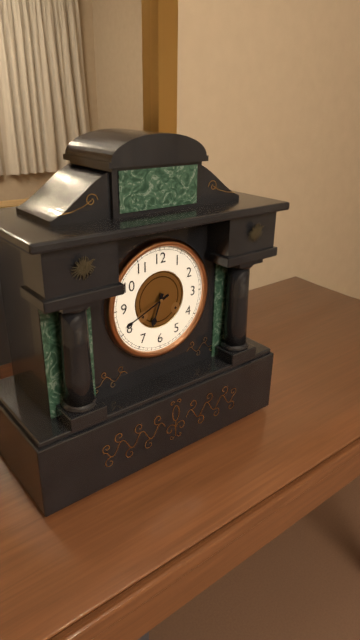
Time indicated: 6:41
